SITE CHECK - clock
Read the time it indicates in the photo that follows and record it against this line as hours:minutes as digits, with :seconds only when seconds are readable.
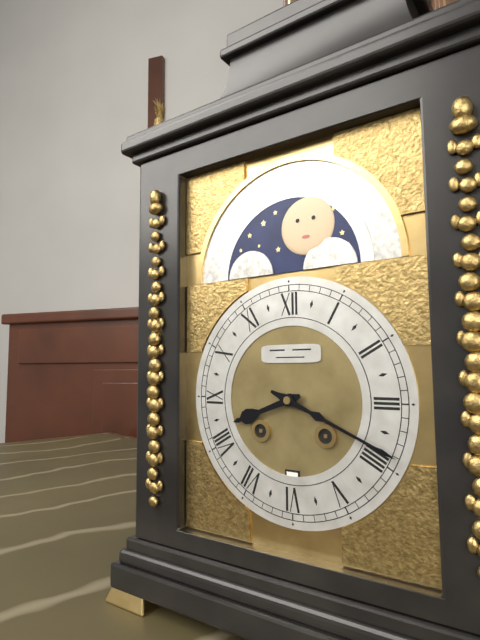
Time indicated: 8:19
